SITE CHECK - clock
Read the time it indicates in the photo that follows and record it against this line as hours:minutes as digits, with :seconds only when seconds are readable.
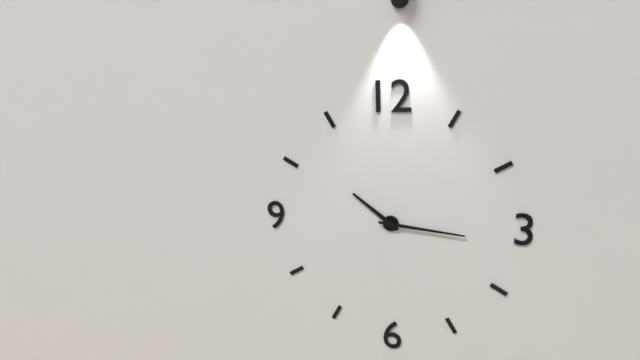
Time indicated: 10:16
